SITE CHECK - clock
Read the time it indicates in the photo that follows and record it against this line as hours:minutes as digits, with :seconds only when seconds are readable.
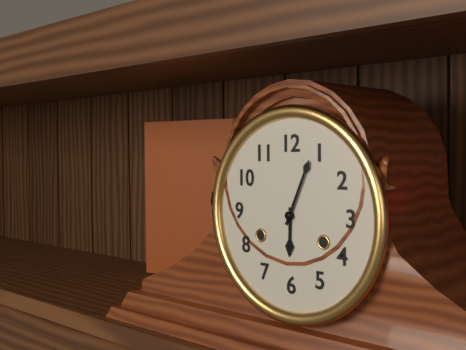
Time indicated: 6:04
